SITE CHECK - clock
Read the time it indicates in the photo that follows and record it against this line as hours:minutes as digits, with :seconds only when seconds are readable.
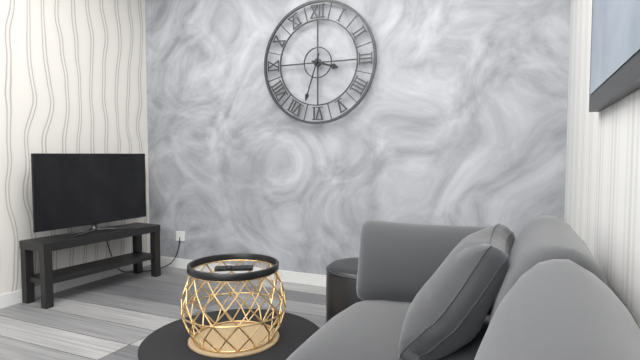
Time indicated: 3:33
